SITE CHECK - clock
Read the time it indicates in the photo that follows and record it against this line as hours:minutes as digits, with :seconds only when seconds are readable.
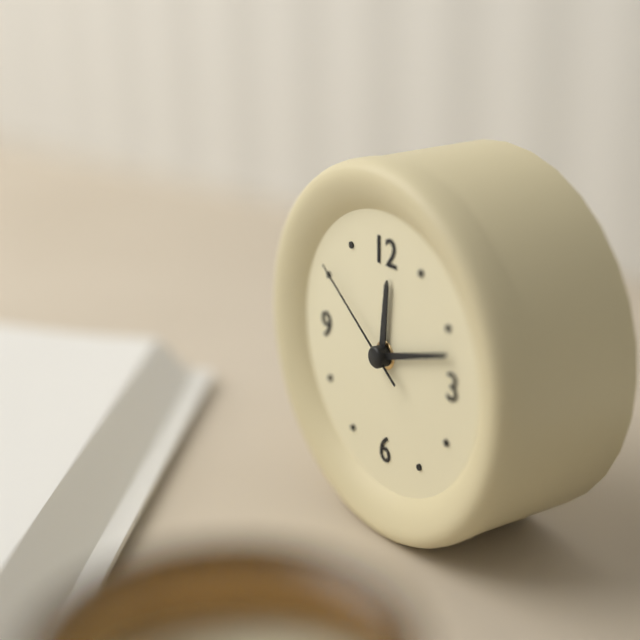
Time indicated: 12:12:51
